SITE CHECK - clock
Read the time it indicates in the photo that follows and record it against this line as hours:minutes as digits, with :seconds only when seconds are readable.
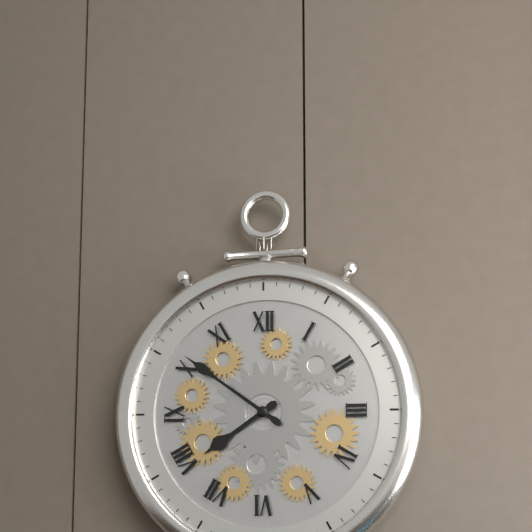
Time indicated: 7:51
